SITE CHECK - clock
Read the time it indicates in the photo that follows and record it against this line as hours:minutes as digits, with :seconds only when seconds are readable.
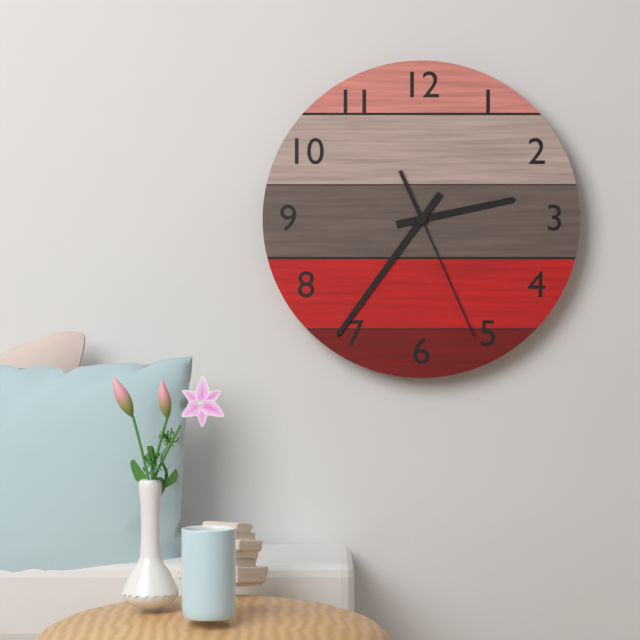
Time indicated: 2:36:26
